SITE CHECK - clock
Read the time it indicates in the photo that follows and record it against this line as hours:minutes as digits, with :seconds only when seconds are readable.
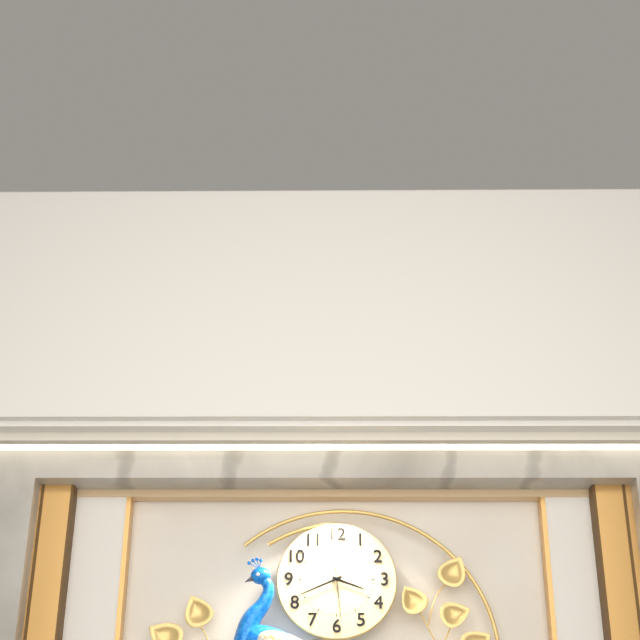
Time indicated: 3:41:29
